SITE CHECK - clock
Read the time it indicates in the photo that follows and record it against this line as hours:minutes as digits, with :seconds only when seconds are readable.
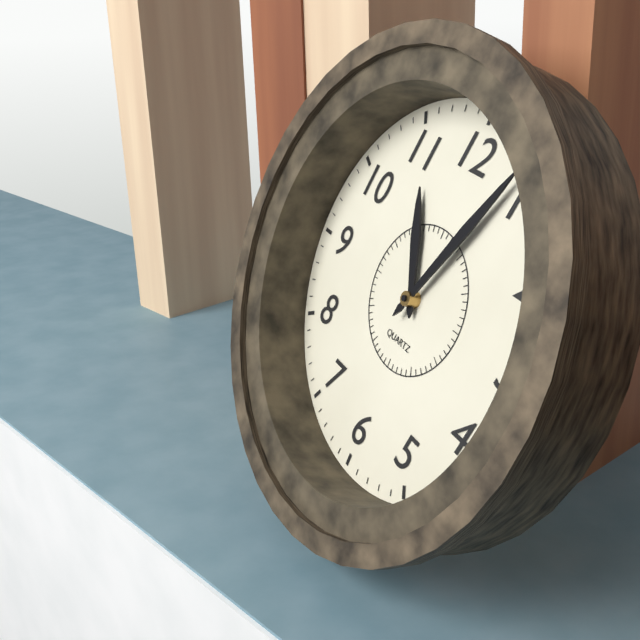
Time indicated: 11:04
